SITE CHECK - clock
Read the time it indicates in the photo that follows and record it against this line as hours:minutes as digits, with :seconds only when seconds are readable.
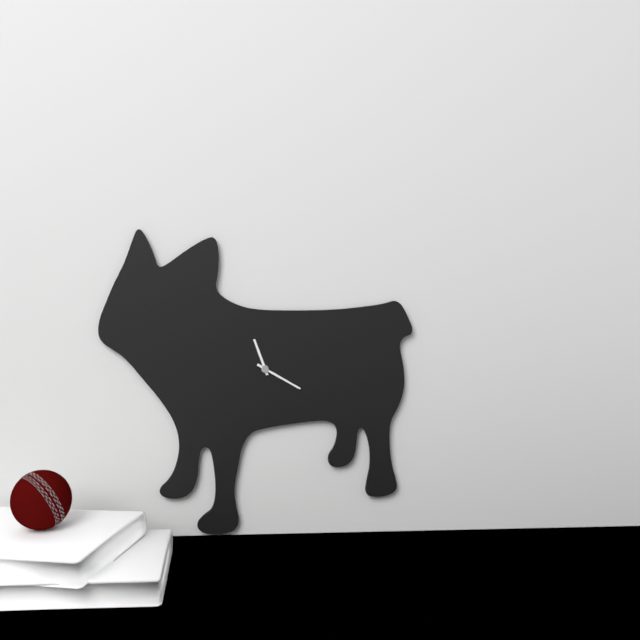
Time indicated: 11:20
